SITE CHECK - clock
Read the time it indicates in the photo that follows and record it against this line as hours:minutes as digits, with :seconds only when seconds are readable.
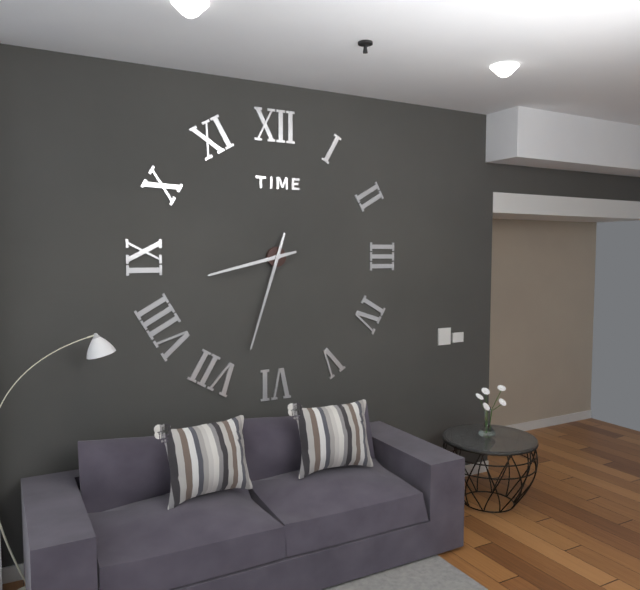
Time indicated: 8:33
